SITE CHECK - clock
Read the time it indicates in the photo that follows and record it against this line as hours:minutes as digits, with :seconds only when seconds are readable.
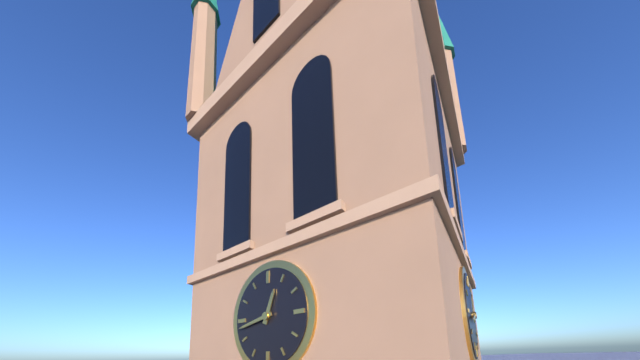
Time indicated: 12:43
